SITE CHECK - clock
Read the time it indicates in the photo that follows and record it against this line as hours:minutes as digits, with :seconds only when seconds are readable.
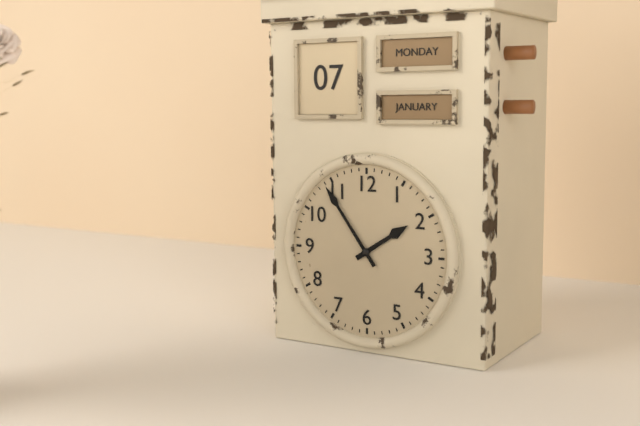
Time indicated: 1:54
